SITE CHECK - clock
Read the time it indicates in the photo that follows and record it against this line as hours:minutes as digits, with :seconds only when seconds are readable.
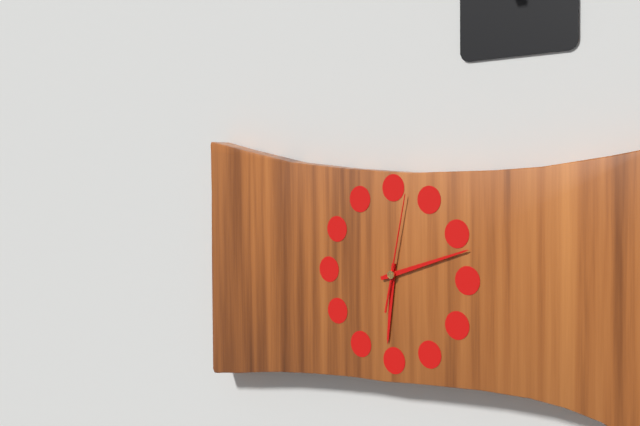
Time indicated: 6:12:02
